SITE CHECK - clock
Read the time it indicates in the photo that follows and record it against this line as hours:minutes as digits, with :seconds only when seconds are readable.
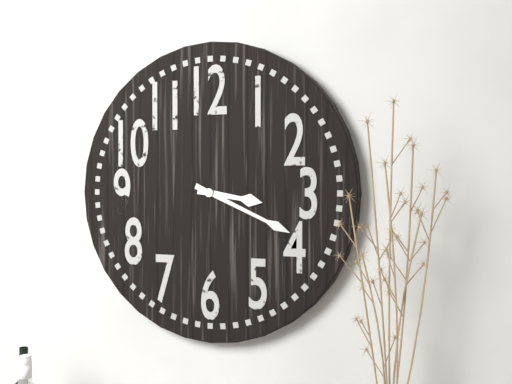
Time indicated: 3:19
